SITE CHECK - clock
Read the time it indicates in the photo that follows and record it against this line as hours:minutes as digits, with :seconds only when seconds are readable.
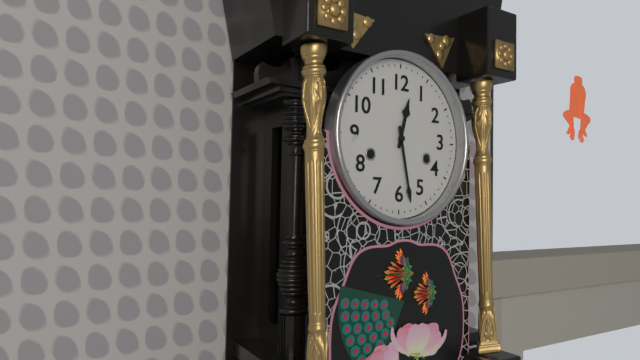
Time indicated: 12:28
